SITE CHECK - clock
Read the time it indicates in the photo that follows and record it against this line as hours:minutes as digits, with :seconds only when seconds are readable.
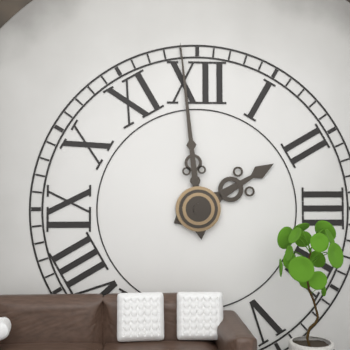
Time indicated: 1:59
